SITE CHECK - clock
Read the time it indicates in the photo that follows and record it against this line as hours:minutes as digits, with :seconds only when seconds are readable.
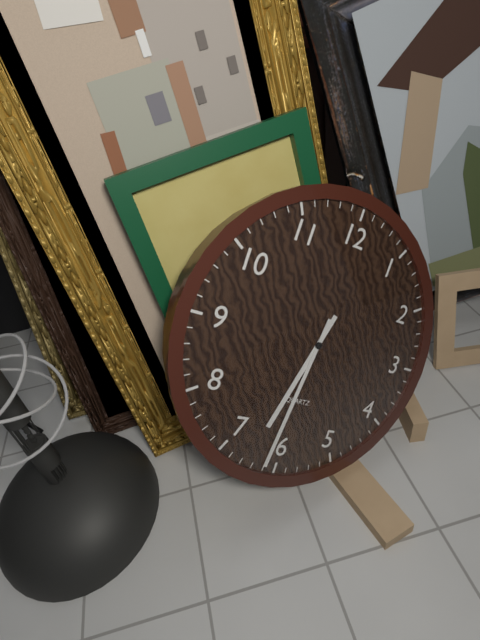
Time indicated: 6:31
